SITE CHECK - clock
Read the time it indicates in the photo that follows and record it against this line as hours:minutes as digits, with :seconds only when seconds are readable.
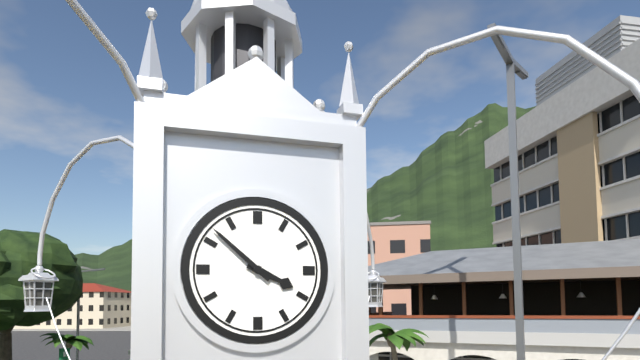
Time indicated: 3:52
